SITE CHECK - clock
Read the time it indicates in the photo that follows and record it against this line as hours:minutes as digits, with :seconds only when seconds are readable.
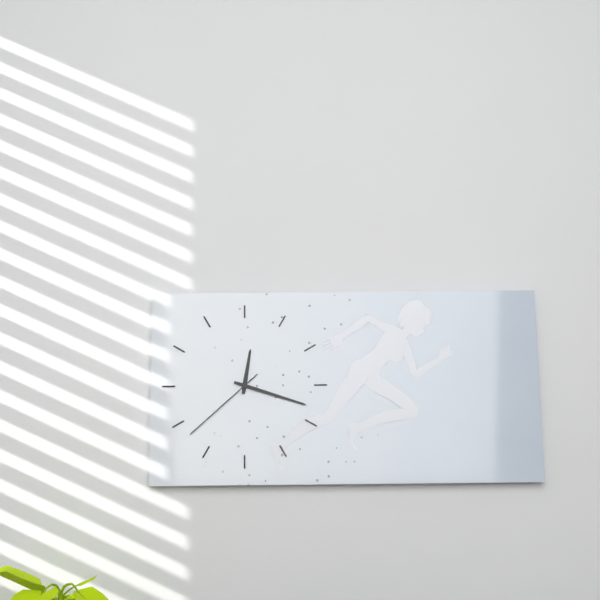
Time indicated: 12:18:38
